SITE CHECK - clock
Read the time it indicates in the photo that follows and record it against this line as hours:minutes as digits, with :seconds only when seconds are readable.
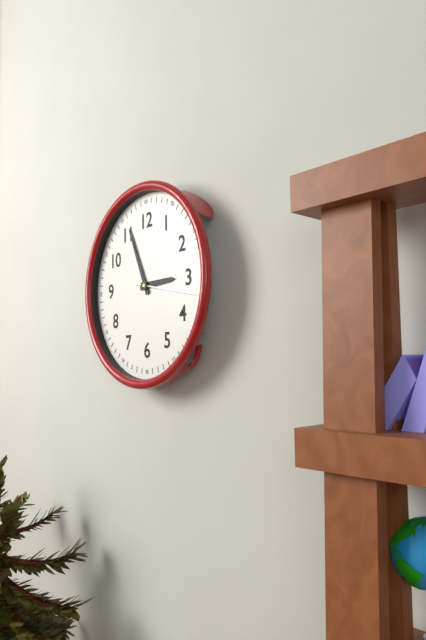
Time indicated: 2:56:17
